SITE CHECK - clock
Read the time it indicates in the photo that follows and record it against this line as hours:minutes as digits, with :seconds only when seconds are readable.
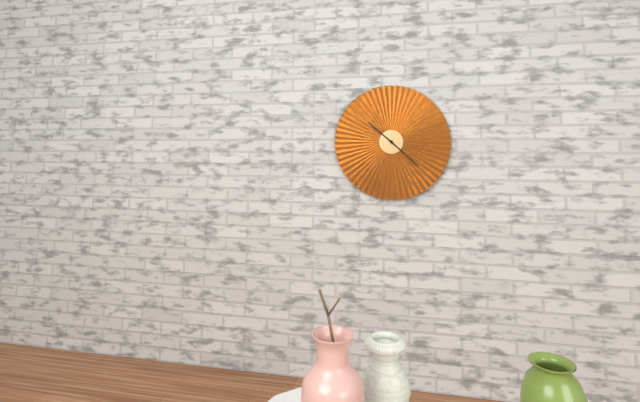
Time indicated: 10:22
